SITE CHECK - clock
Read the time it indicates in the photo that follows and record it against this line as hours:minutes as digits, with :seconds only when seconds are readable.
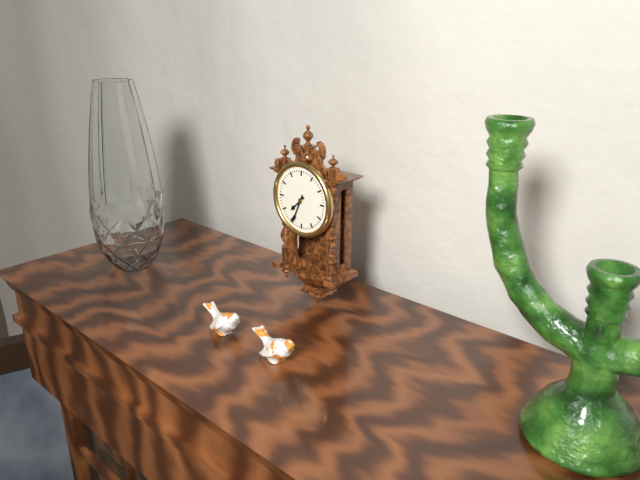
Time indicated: 7:34
